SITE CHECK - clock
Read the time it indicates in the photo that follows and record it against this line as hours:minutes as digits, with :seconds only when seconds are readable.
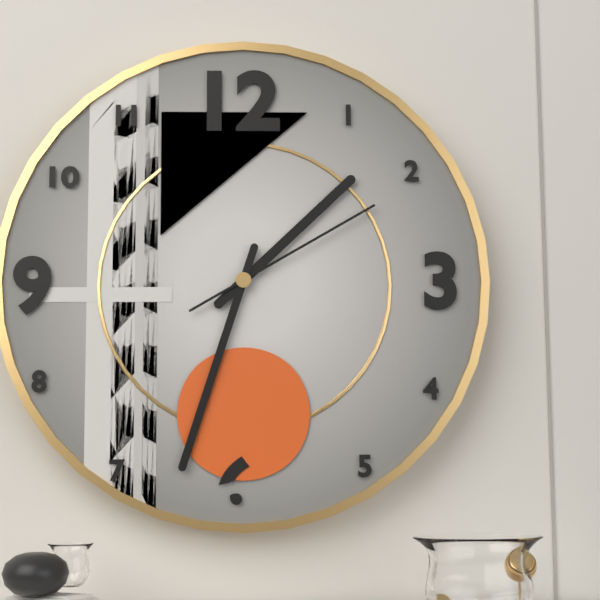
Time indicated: 1:33:10
